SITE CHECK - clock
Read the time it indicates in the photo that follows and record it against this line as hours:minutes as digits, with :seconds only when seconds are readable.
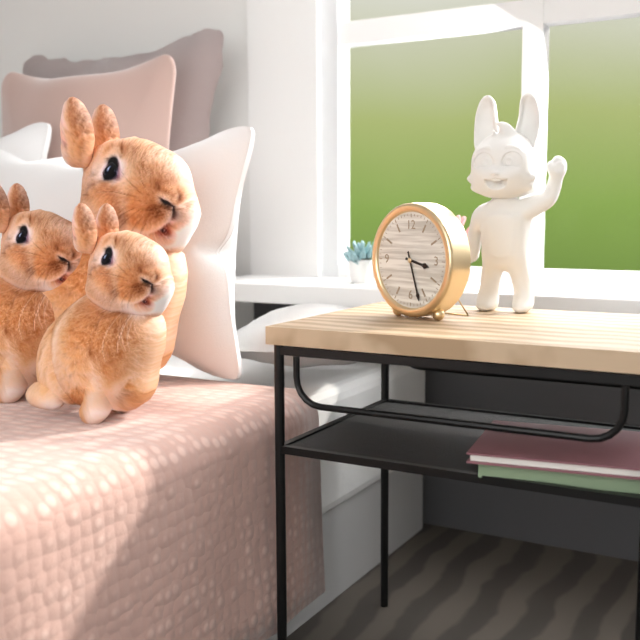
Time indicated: 3:27
